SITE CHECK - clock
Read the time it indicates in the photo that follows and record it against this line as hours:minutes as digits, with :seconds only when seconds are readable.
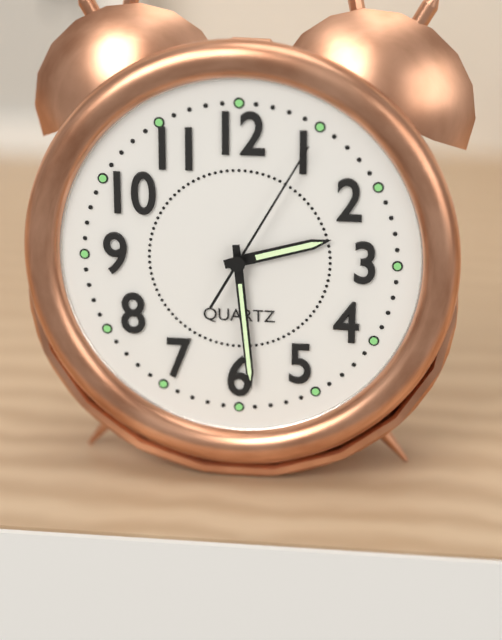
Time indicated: 2:29:05
